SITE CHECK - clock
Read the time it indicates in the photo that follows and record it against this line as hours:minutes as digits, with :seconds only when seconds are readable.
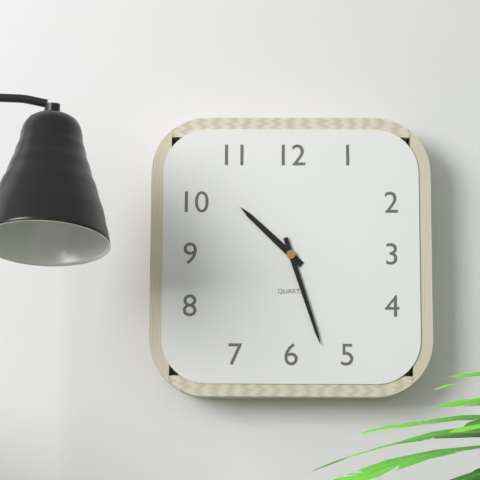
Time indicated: 10:27
